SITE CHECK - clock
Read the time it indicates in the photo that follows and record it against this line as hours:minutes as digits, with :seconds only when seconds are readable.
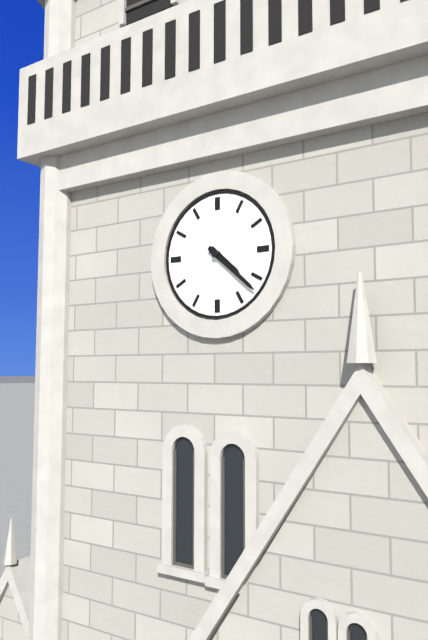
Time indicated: 4:22
